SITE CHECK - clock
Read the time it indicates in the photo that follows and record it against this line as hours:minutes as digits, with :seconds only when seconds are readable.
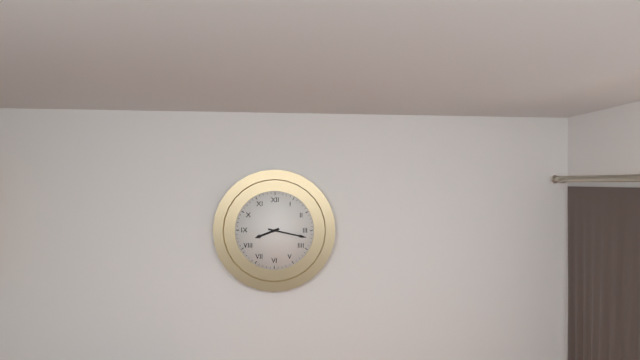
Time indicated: 8:17
